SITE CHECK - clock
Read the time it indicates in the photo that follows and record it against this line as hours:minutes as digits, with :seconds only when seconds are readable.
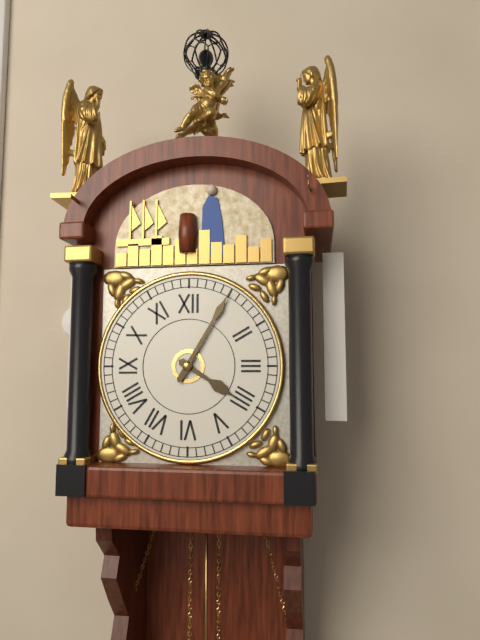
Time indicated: 4:05
